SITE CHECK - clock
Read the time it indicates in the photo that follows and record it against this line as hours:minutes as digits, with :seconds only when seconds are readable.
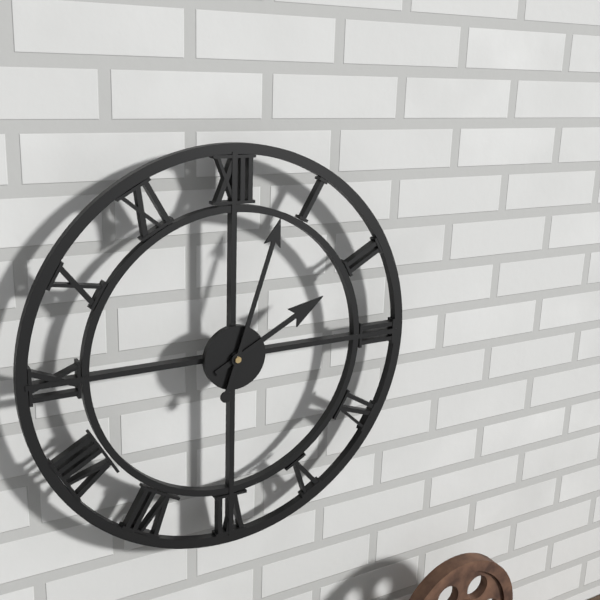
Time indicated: 2:03
